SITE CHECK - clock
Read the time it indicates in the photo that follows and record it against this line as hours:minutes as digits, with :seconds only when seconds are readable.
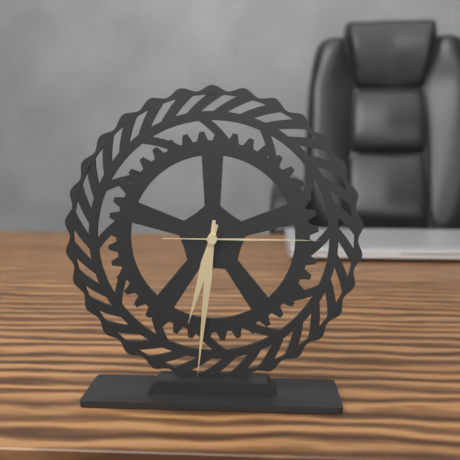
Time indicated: 6:31:15
